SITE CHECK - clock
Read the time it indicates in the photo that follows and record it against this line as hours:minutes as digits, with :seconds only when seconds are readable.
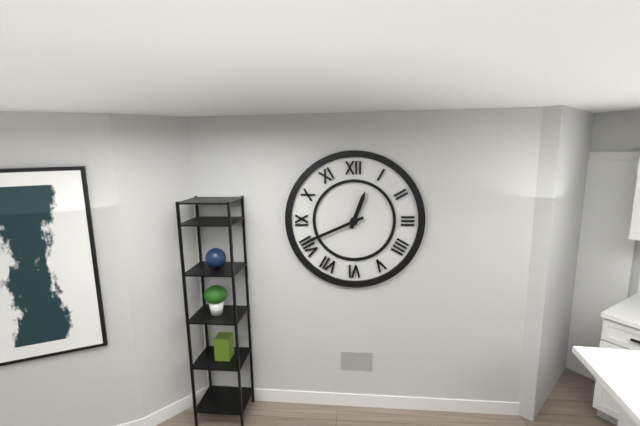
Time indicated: 12:41
